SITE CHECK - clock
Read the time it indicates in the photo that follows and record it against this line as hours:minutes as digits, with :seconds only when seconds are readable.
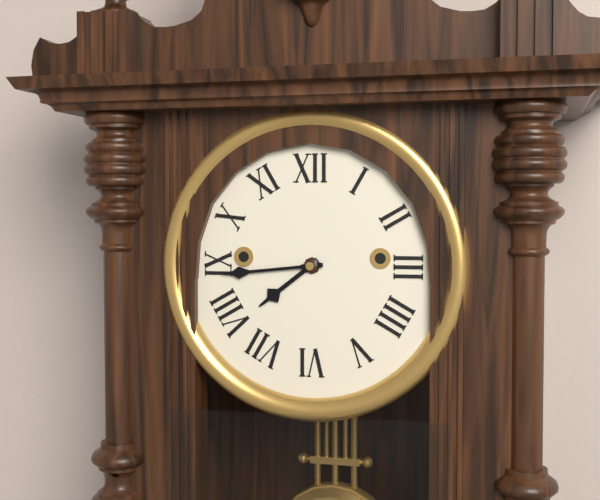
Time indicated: 7:44
